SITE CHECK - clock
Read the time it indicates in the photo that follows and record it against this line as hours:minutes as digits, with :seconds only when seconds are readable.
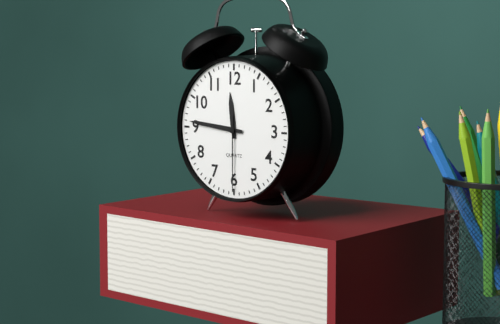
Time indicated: 11:46:30
